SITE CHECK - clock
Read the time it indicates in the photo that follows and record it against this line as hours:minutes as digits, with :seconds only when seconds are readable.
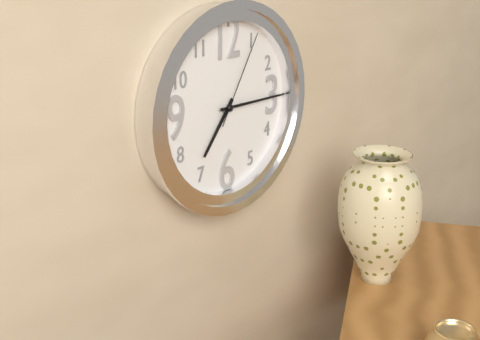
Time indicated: 7:15:05
